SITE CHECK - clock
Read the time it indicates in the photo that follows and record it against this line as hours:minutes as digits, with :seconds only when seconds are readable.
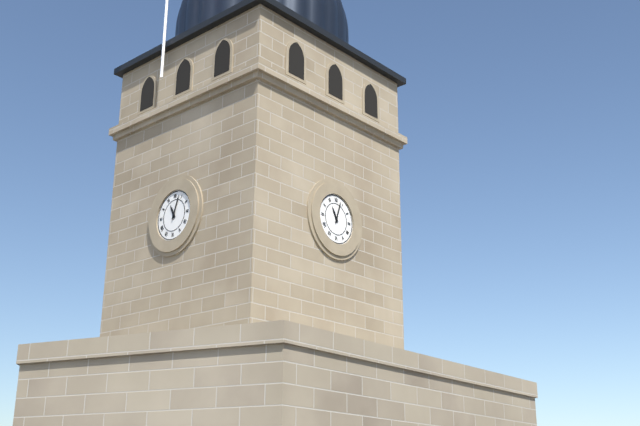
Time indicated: 11:03
